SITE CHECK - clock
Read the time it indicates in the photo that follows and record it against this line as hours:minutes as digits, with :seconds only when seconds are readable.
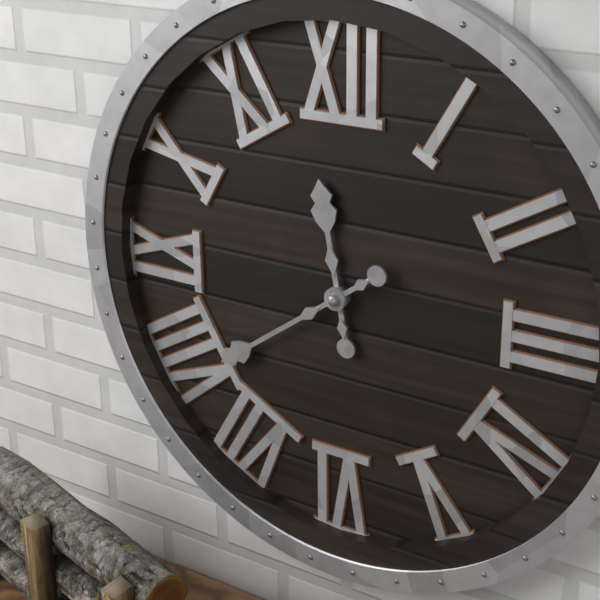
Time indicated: 11:39
